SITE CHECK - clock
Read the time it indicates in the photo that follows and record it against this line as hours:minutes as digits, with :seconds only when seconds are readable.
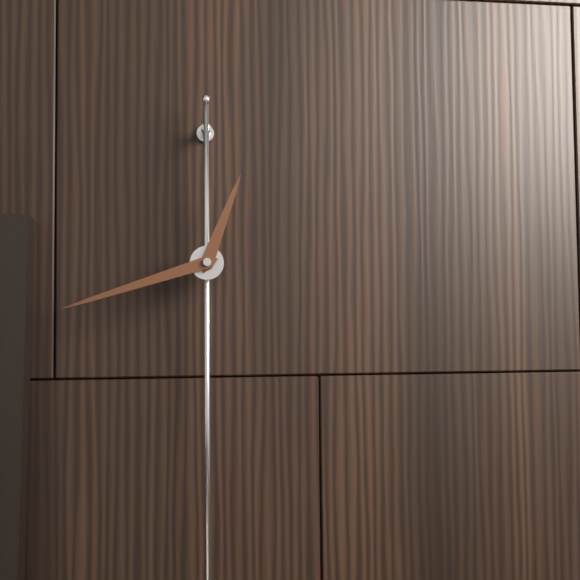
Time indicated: 12:42
